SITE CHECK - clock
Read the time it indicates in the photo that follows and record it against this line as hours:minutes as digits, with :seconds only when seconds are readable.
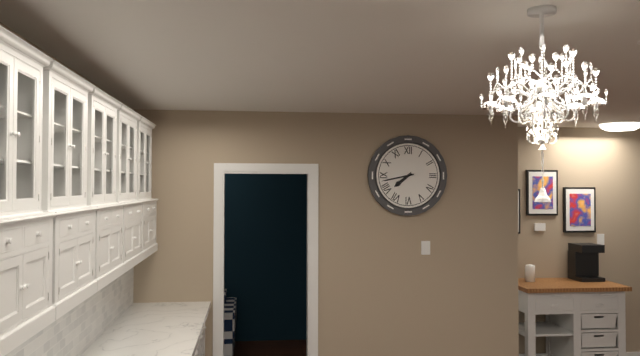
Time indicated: 7:43
